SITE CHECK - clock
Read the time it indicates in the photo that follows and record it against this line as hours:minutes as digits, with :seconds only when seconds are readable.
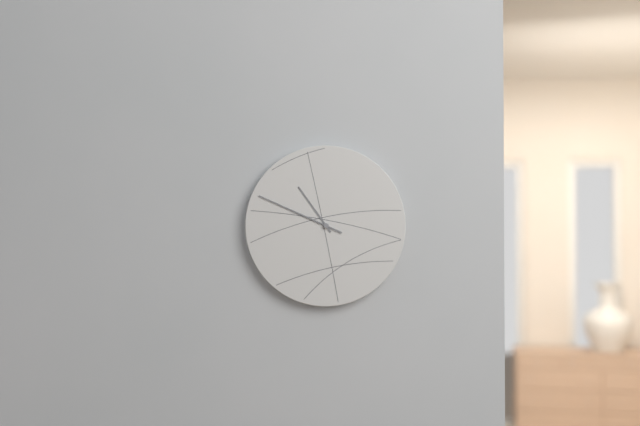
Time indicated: 10:49
